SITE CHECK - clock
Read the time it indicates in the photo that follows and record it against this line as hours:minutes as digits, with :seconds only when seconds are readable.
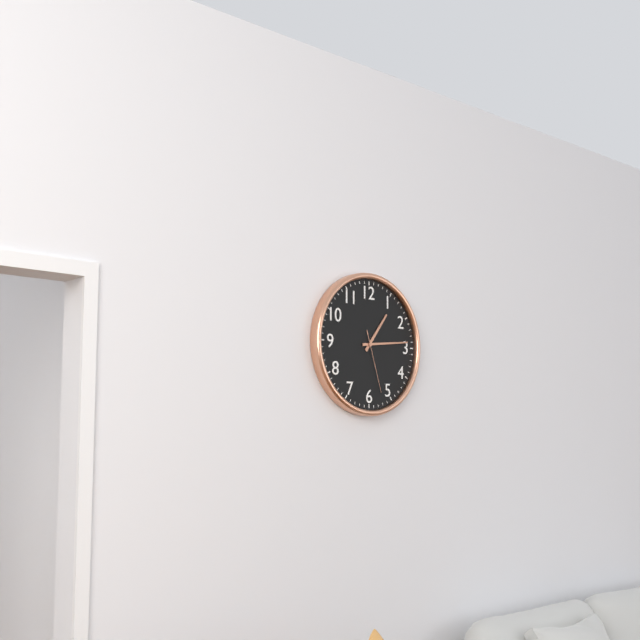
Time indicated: 1:14:27
